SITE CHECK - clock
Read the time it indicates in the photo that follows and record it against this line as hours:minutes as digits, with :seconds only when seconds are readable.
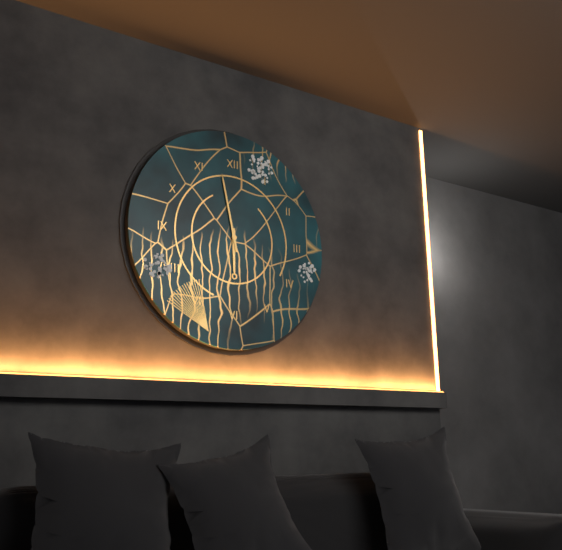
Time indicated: 5:58
